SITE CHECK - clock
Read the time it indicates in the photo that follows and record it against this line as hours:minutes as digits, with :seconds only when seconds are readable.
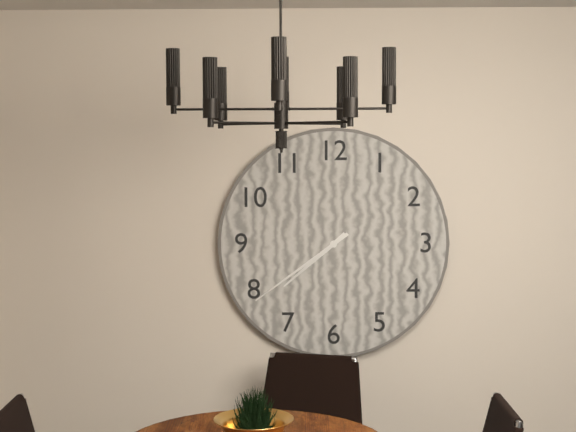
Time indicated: 7:39
